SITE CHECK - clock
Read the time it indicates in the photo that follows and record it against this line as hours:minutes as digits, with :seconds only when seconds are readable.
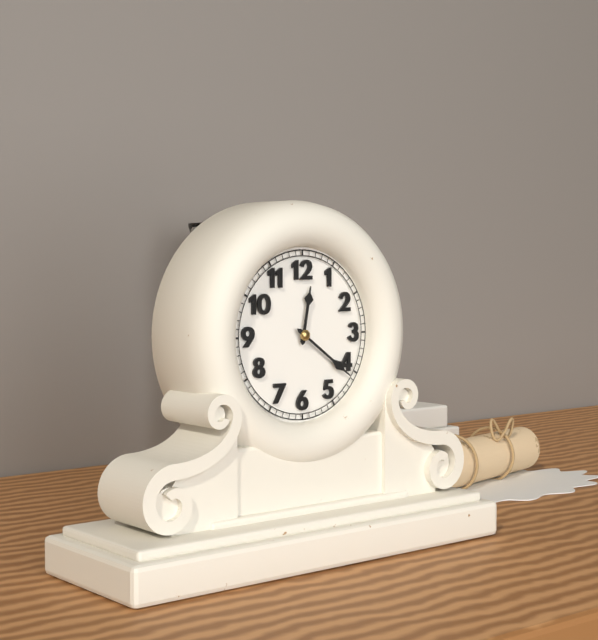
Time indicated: 12:21
